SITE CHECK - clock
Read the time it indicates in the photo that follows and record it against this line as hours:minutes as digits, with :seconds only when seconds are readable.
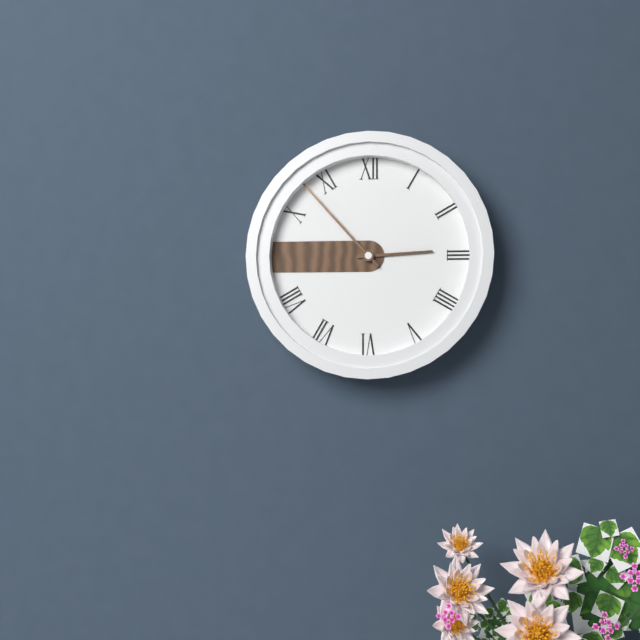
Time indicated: 2:53
